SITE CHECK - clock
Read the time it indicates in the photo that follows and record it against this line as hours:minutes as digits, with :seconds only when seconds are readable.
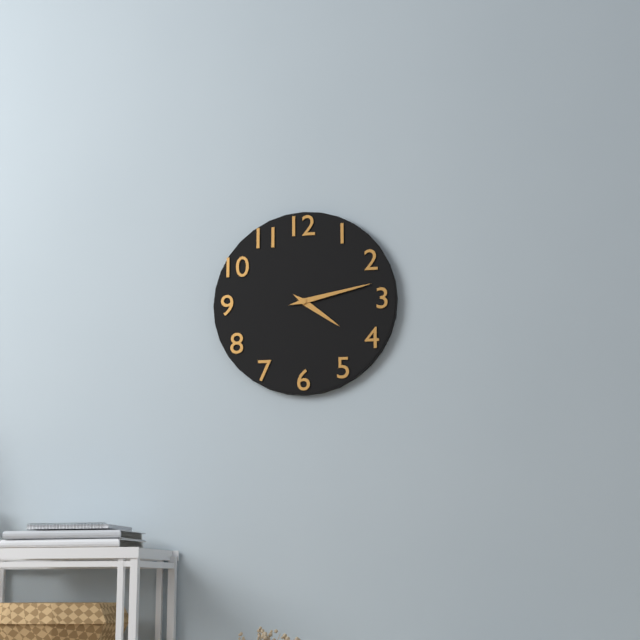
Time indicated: 4:13
